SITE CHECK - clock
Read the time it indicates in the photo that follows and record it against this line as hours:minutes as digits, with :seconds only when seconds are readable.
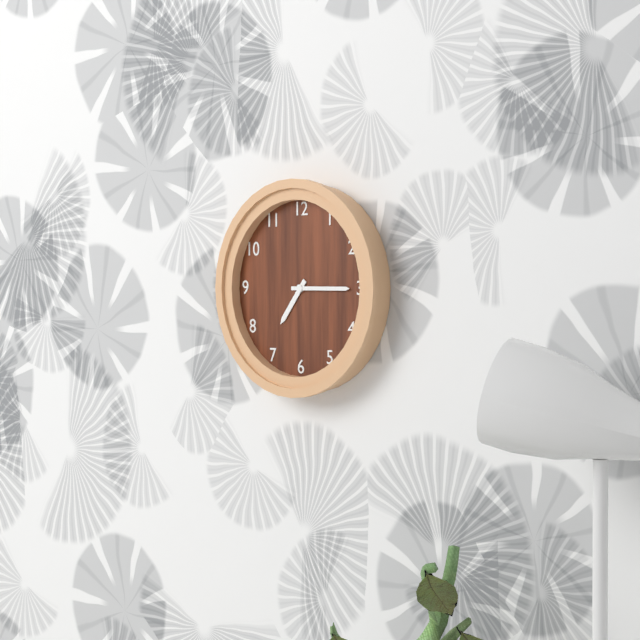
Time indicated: 7:15
